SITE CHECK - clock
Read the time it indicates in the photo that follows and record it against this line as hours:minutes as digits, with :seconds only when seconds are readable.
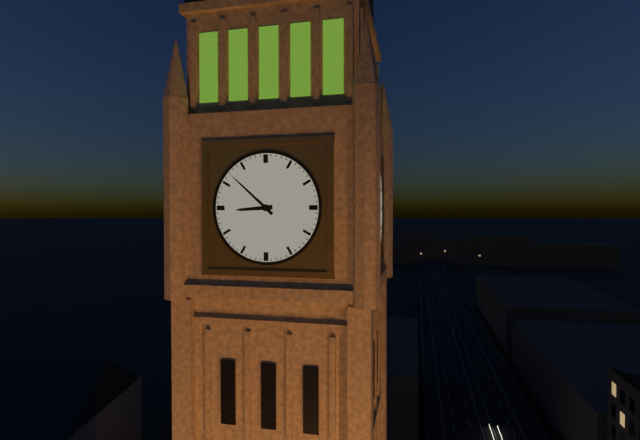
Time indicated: 8:52
